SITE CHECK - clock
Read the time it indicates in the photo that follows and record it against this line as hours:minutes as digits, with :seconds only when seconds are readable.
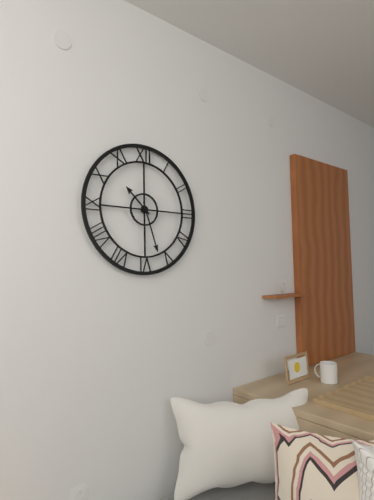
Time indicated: 10:27
